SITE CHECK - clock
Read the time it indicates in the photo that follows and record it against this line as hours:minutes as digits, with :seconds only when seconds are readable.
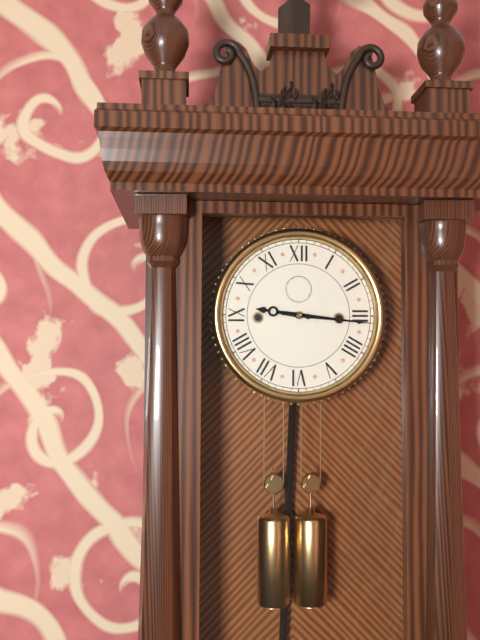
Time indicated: 9:16
